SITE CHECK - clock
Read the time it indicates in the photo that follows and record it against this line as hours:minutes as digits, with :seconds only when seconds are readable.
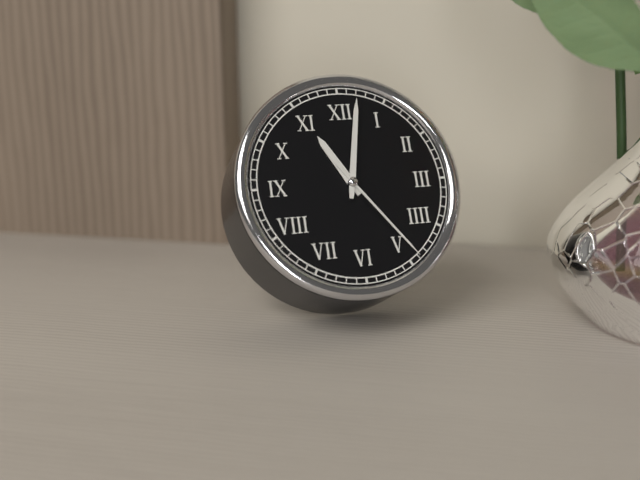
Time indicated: 11:02:24
